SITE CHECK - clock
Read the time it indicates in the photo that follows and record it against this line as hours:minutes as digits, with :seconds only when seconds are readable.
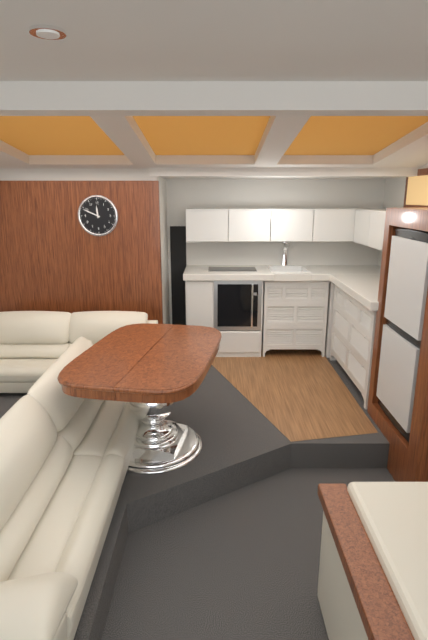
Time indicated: 11:49
